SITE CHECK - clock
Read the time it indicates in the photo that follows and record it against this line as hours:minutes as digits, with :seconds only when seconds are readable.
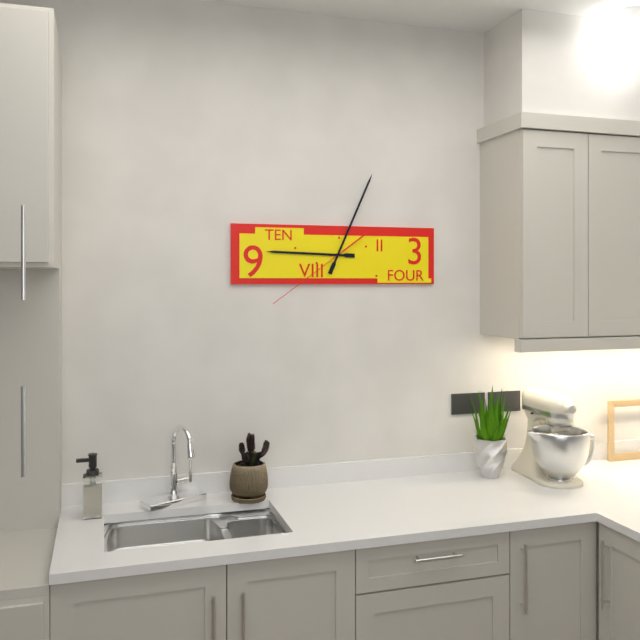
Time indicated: 9:04:39
